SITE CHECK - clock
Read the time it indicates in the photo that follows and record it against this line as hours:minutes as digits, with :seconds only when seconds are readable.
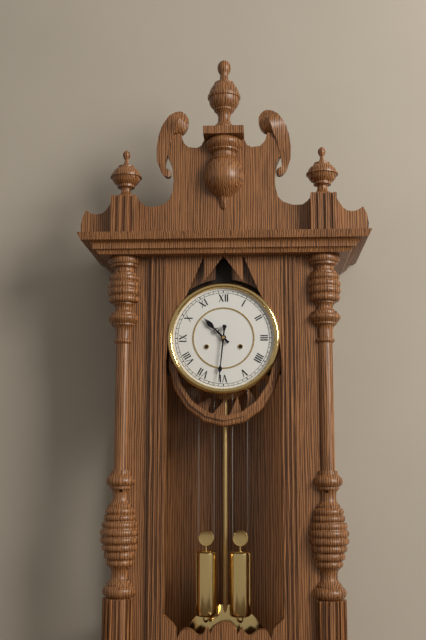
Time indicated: 10:31
